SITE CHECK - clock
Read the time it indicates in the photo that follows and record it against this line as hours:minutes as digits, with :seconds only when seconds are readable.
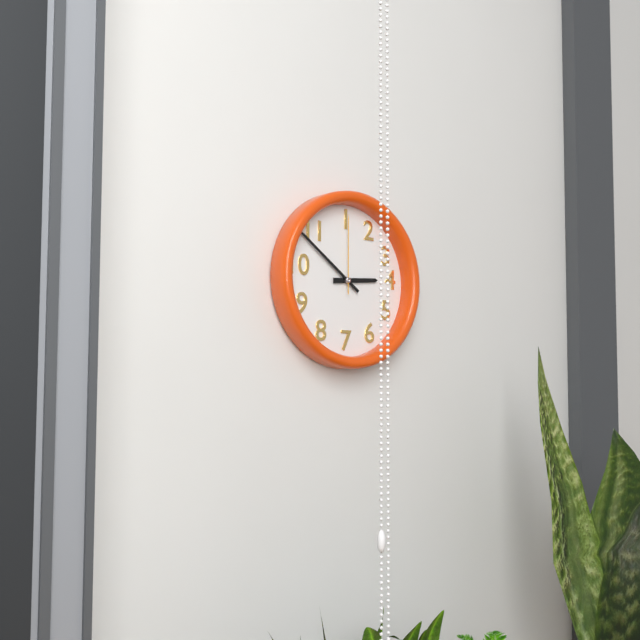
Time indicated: 2:51:00
